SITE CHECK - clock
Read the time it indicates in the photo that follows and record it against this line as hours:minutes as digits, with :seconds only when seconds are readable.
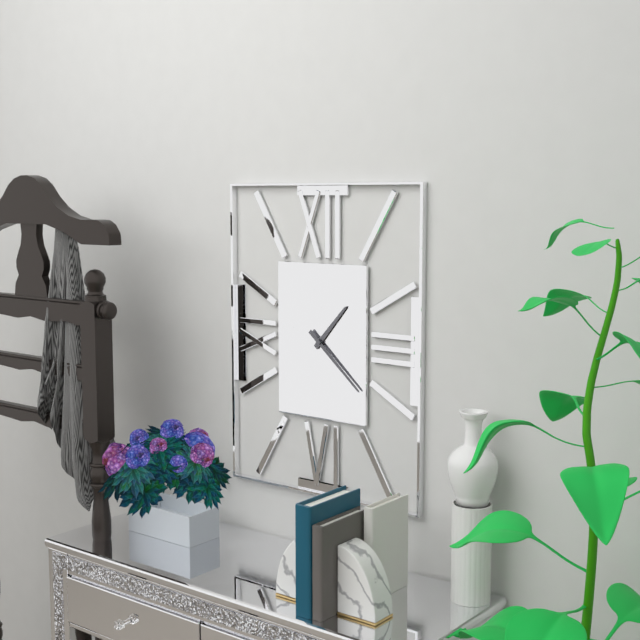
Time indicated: 1:22
